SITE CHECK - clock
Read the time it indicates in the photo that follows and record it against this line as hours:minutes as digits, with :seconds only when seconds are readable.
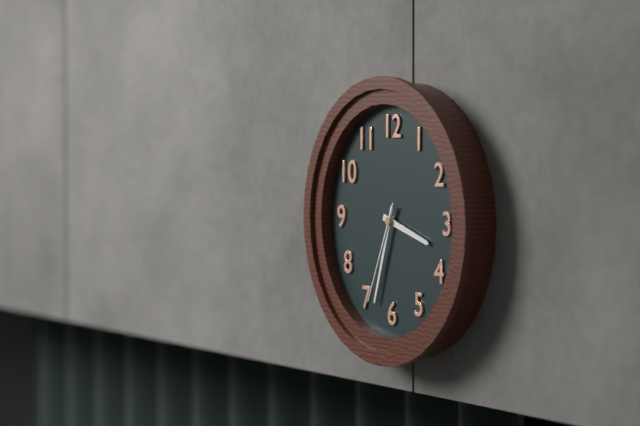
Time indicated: 3:33:34
